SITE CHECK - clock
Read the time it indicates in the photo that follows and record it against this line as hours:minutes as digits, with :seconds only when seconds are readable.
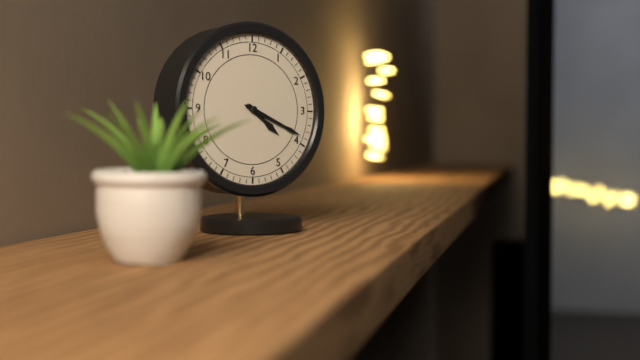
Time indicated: 4:19
